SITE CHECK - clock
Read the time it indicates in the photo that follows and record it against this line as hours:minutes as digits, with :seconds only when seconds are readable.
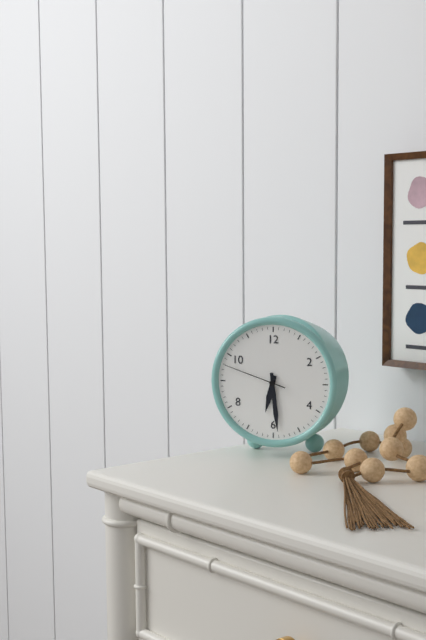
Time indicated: 6:29:48
